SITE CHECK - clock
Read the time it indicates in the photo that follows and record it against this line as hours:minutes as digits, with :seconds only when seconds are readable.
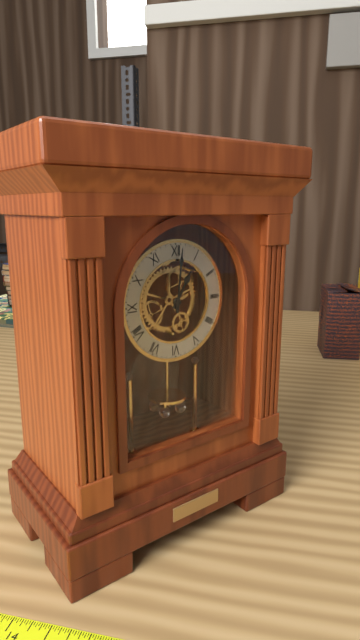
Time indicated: 1:01
